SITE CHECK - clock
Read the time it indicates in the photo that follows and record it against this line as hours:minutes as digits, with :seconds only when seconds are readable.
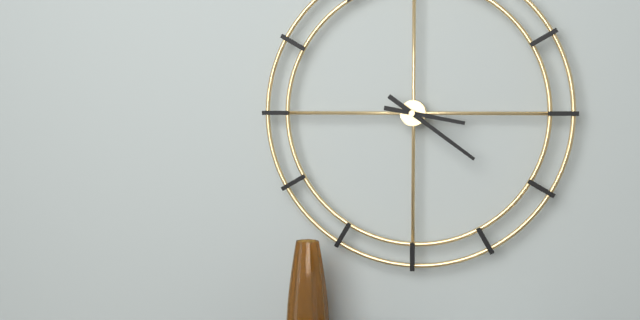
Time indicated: 3:21
